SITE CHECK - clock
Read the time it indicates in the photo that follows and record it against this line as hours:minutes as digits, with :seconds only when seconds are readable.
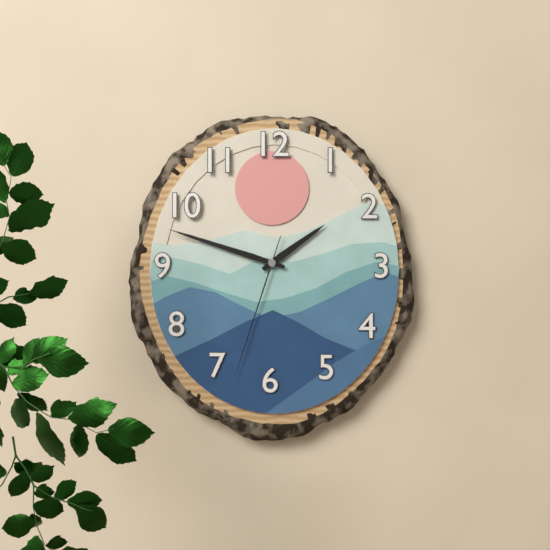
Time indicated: 1:48:33
